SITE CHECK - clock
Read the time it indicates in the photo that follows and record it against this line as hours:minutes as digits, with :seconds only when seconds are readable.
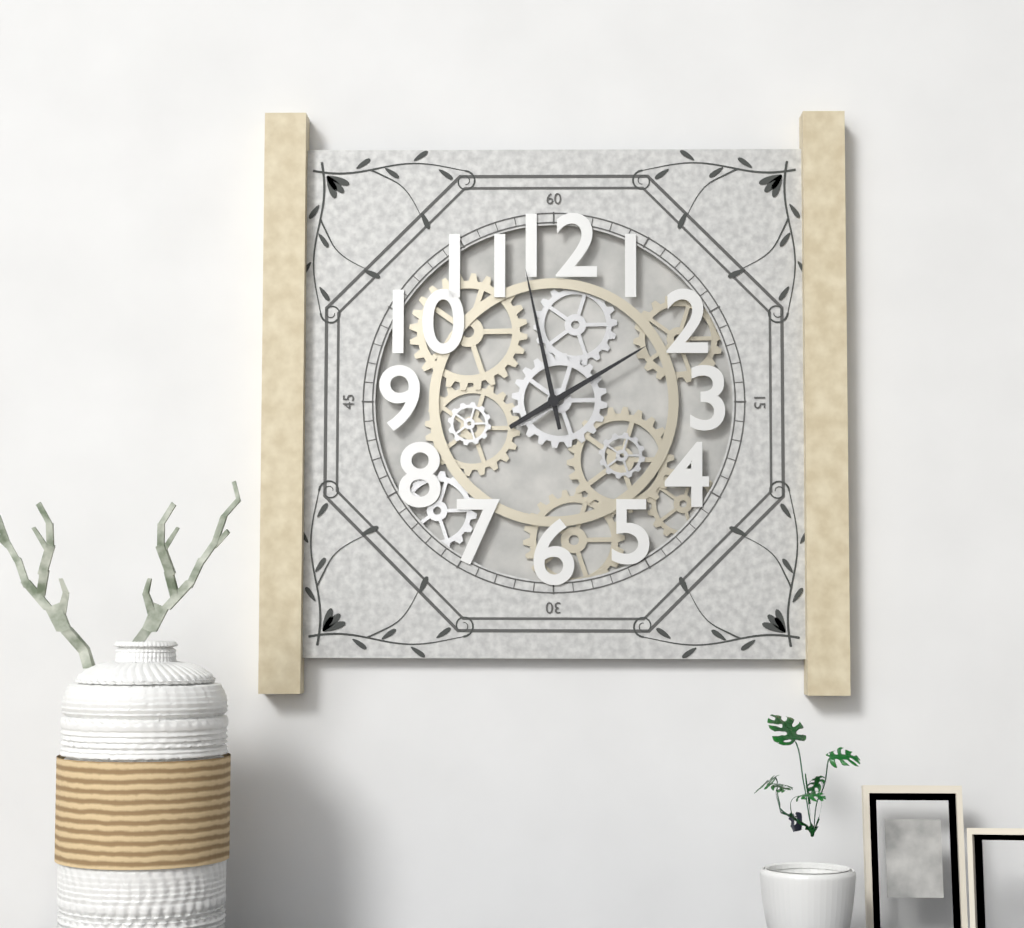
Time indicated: 1:58
